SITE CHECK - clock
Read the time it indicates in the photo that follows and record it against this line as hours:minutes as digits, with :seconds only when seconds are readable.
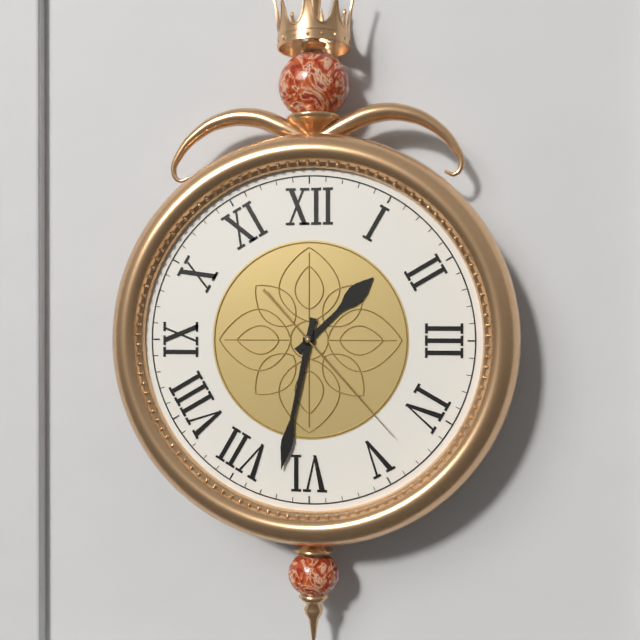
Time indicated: 1:32:23
